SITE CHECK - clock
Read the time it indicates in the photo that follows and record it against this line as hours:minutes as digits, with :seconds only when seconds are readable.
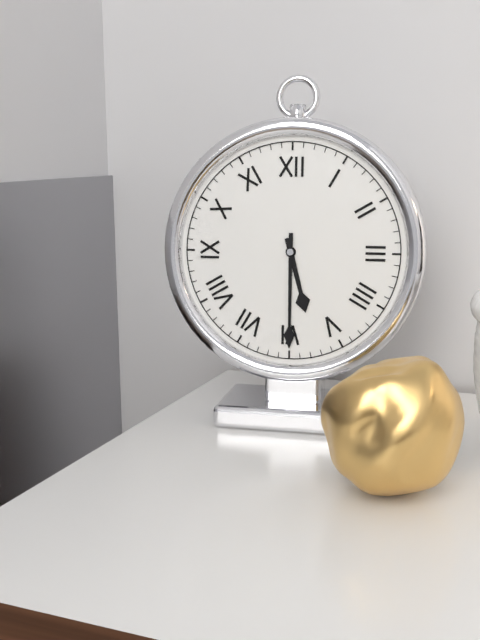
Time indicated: 5:30
